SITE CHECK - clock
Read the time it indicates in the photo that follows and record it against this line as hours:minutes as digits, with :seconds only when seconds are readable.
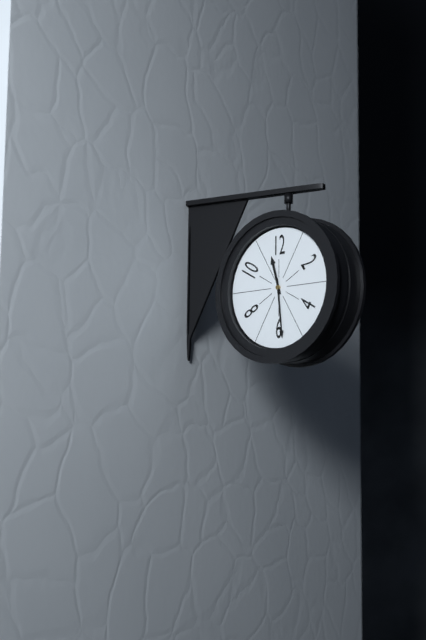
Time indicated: 11:29
